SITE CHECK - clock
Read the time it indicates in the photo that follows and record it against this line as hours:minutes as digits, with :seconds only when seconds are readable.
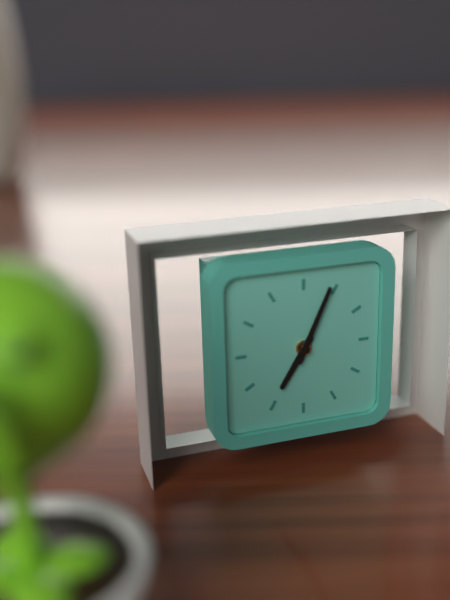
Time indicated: 7:04
